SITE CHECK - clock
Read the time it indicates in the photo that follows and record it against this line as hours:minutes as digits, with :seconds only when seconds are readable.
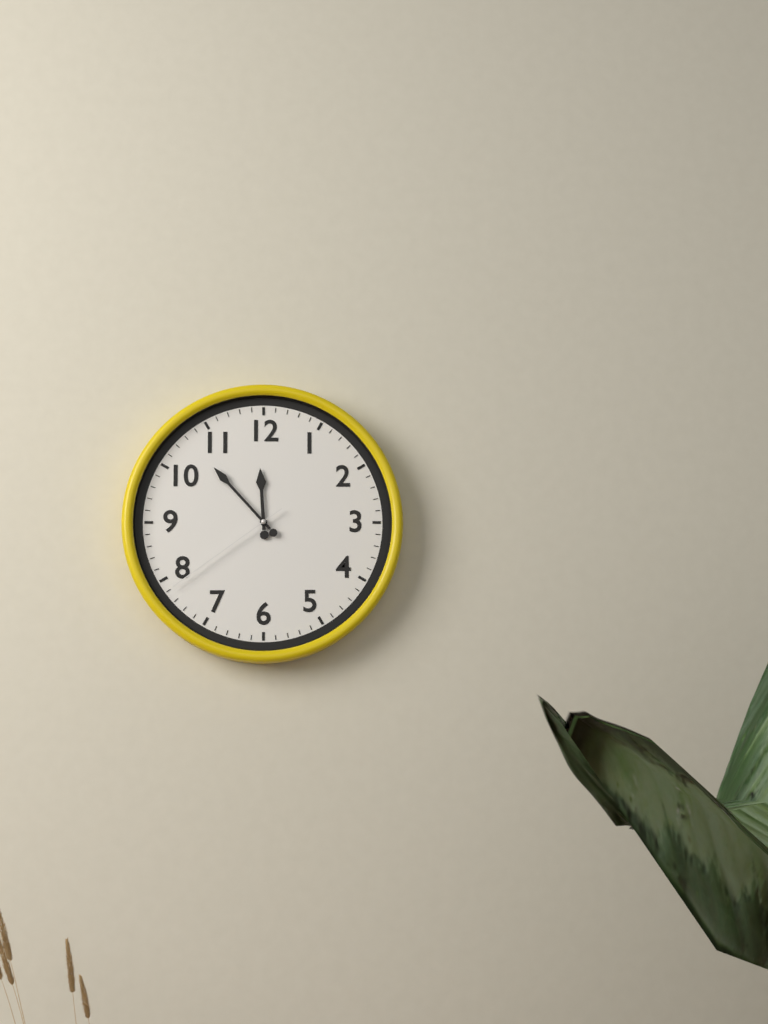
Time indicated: 11:53:39
